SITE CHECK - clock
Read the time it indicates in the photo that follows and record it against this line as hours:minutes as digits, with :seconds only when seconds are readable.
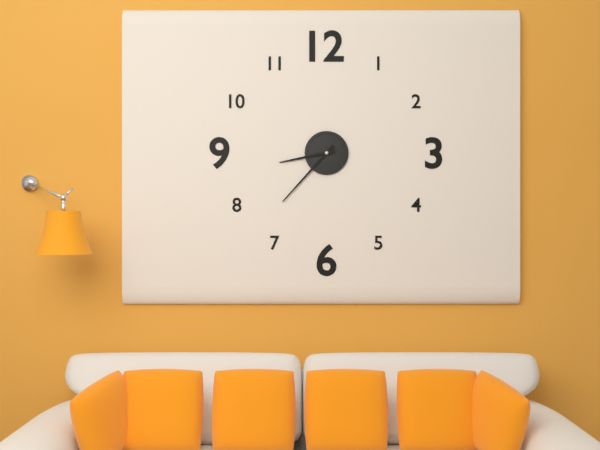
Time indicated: 8:37
